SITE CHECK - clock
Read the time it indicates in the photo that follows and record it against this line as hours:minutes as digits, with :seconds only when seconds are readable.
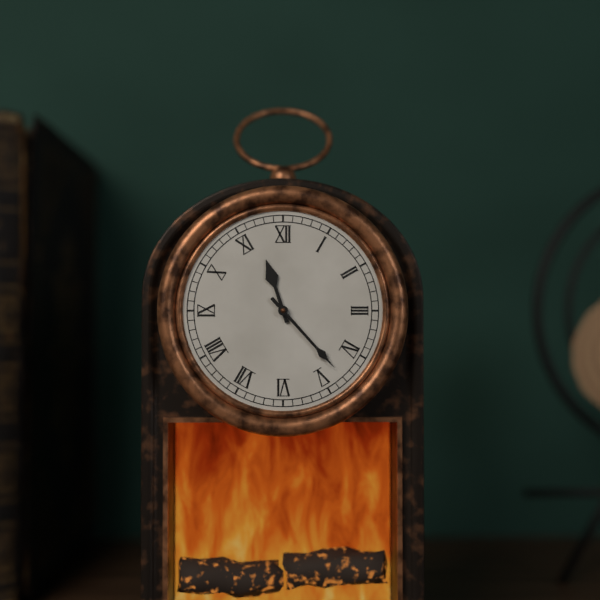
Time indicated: 11:23
